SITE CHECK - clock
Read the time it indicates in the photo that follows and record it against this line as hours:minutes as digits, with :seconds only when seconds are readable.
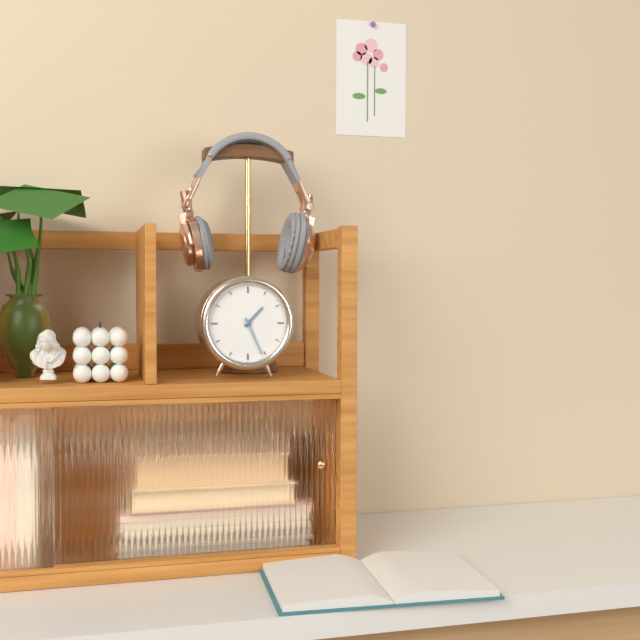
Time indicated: 1:26
